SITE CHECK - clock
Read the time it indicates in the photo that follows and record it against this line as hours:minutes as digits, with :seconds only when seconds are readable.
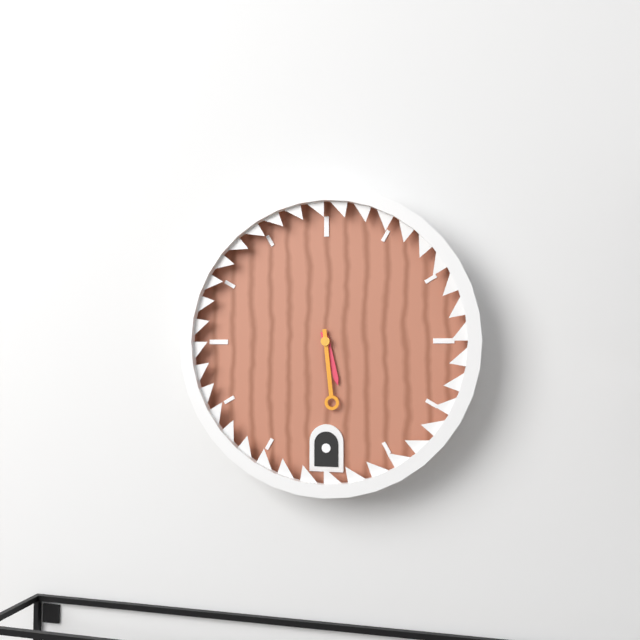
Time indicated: 5:29
